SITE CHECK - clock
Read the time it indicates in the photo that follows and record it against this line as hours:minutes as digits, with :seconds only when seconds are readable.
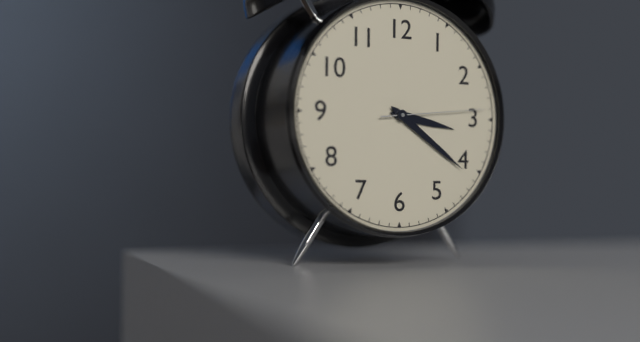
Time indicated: 3:21:14
